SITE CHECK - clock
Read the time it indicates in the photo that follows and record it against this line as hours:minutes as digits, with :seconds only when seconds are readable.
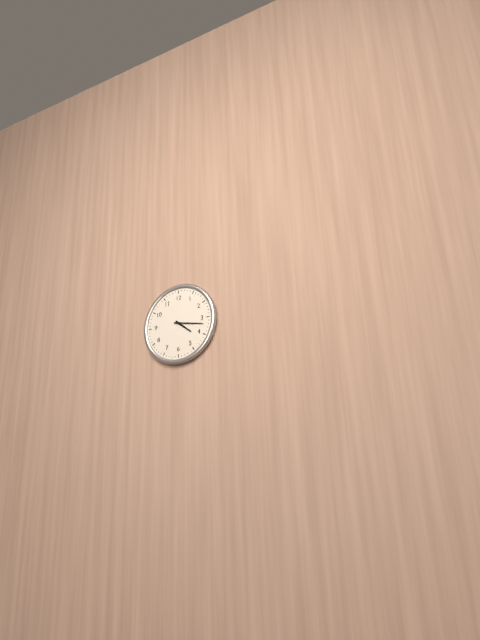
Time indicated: 4:17
